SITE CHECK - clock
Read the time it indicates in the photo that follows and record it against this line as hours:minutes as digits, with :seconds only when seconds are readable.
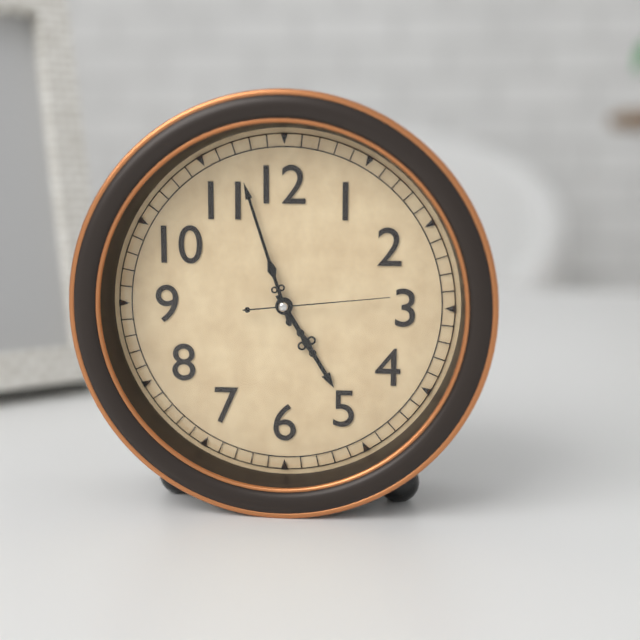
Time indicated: 4:57:14
